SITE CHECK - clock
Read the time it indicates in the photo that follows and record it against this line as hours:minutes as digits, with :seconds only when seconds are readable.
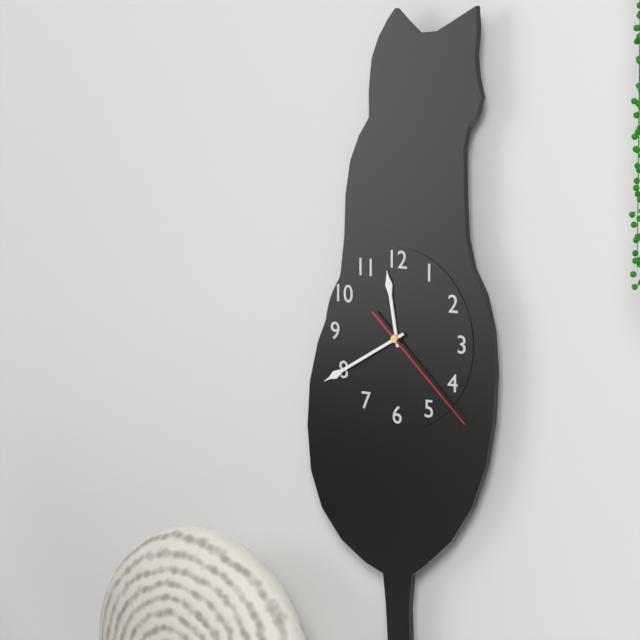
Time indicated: 11:40:22
